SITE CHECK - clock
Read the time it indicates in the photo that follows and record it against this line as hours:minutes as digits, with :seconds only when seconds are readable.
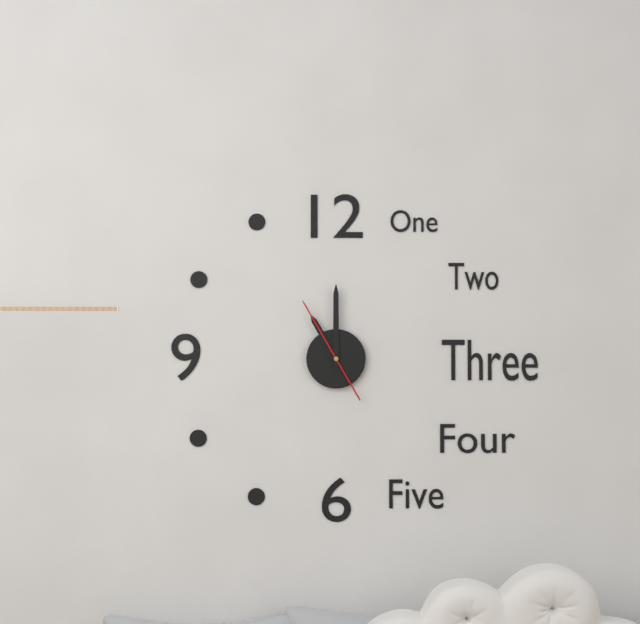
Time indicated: 11:00:55
